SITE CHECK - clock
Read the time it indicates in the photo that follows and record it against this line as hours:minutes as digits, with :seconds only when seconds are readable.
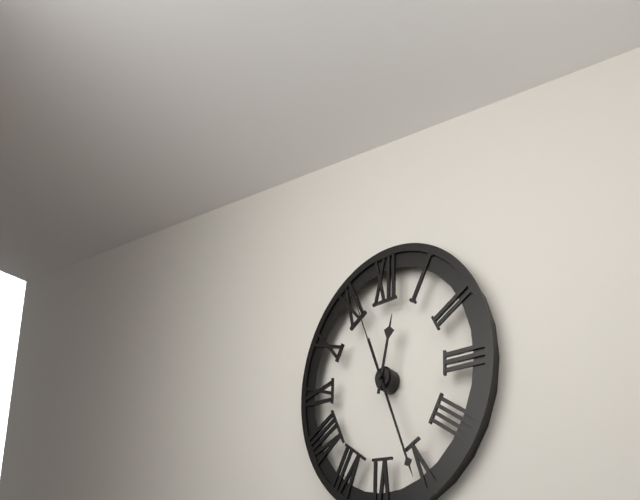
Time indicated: 12:26:56
